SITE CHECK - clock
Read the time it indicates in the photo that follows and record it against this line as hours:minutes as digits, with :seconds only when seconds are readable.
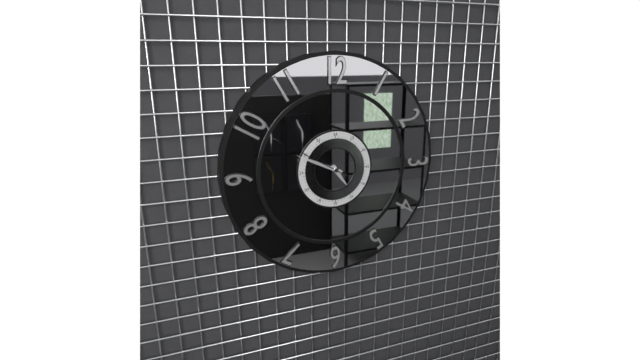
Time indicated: 4:49:50
